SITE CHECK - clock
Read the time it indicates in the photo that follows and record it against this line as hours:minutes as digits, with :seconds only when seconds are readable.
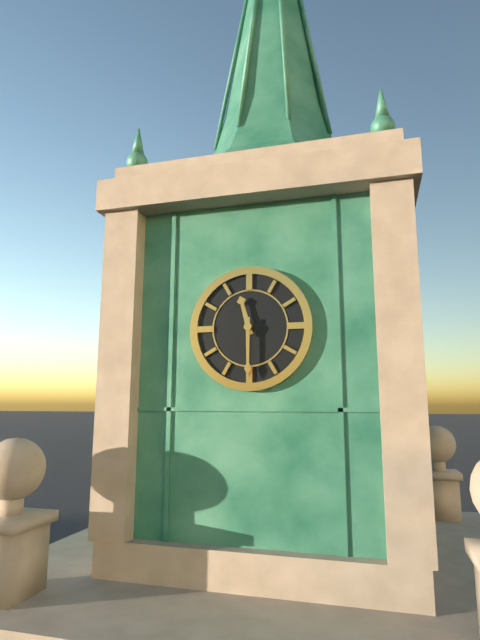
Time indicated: 11:30
